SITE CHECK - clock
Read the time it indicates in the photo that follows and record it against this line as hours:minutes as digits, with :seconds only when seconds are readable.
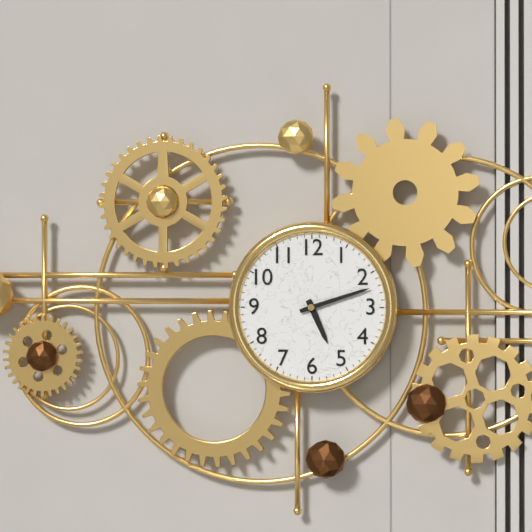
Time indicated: 5:12
